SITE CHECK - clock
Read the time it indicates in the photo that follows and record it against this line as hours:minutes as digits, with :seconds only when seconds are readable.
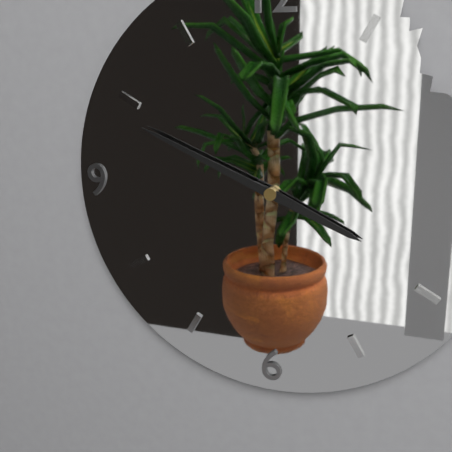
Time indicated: 3:49
